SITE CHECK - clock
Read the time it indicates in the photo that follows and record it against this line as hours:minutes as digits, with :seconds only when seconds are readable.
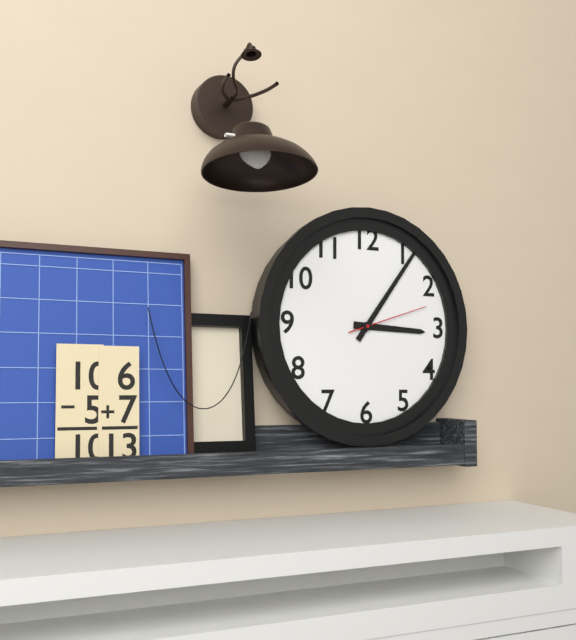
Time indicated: 3:06:12
